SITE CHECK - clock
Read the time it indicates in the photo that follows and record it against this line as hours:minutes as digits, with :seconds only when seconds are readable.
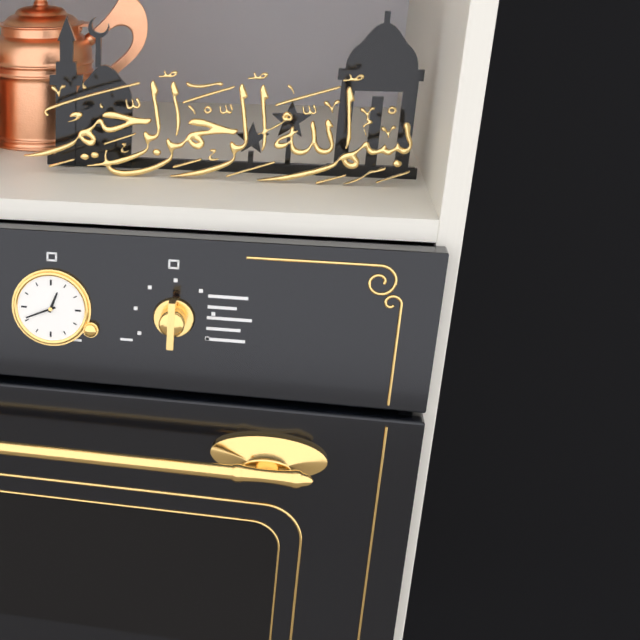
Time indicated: 12:41
